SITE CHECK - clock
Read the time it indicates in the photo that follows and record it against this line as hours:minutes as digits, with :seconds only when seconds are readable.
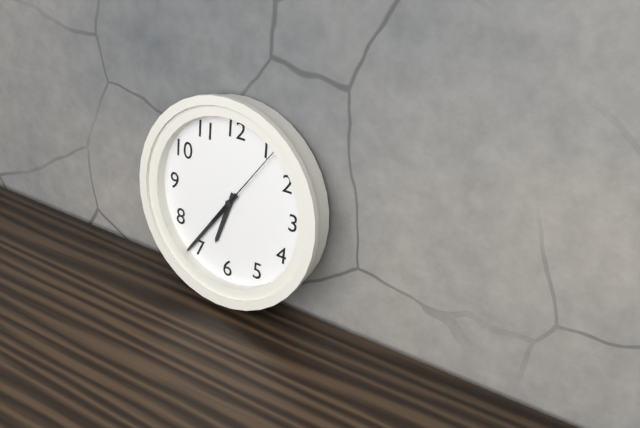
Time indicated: 6:36:06
